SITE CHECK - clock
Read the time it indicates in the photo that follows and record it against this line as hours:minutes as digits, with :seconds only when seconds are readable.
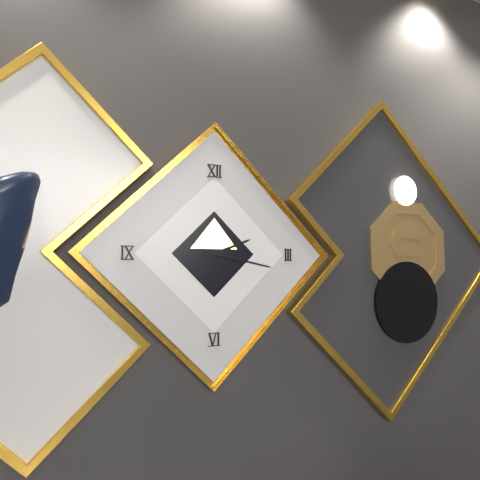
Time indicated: 2:17
